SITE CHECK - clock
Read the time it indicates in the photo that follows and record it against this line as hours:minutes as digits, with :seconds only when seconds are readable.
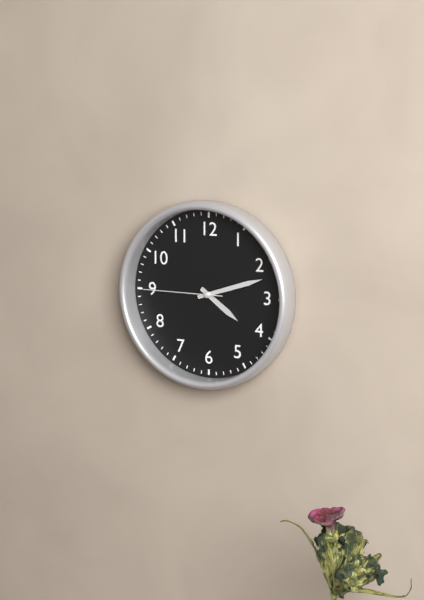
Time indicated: 4:12:45
